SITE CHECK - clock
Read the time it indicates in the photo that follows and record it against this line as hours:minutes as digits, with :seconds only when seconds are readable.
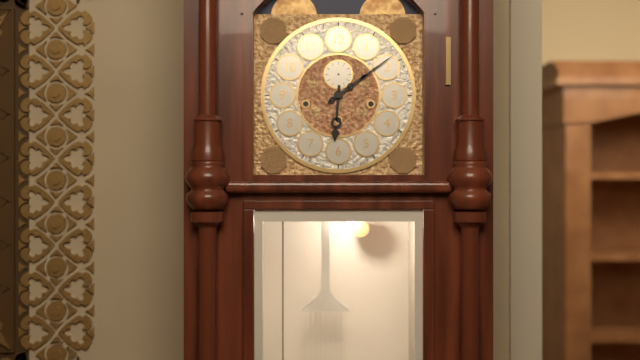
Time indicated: 6:09
